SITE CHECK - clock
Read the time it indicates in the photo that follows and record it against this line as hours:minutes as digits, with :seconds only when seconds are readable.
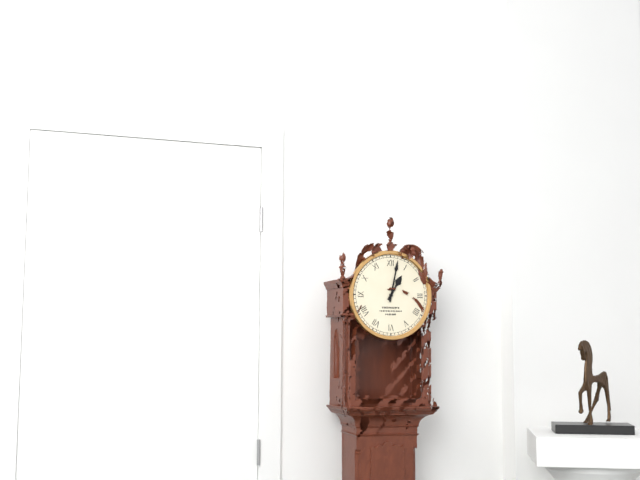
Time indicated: 1:02
